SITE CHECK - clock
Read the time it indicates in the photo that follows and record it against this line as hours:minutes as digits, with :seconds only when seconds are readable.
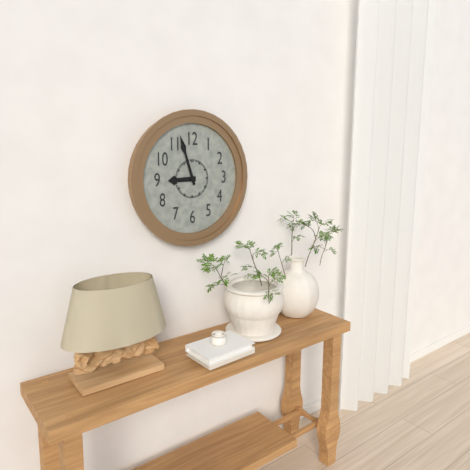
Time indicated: 8:57
